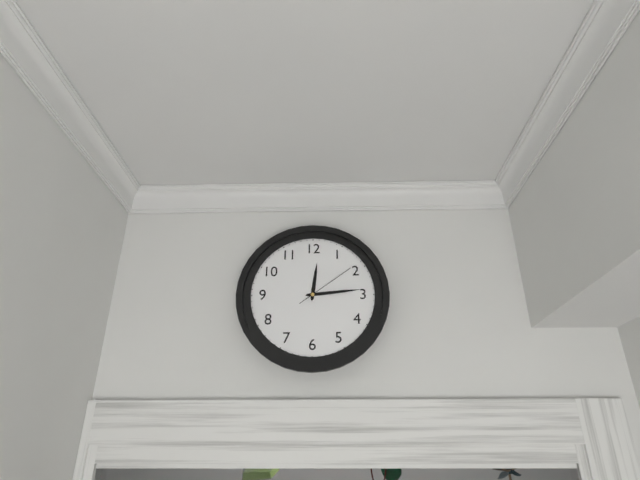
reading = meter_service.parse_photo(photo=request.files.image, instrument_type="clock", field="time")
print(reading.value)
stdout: 12:14:09
